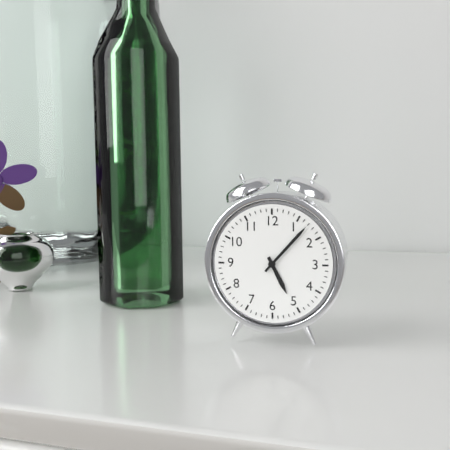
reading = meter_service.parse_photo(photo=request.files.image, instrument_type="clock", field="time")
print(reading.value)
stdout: 5:07
